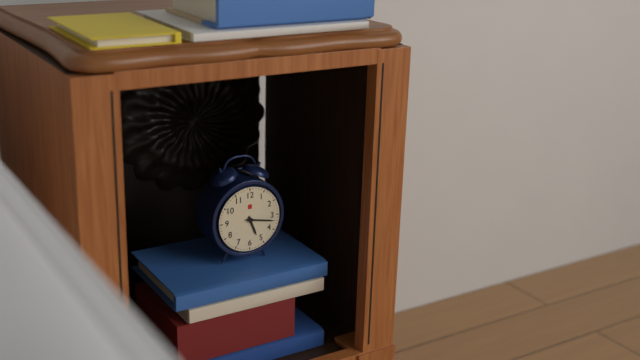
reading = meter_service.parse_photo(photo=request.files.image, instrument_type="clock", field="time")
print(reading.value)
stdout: 5:17
